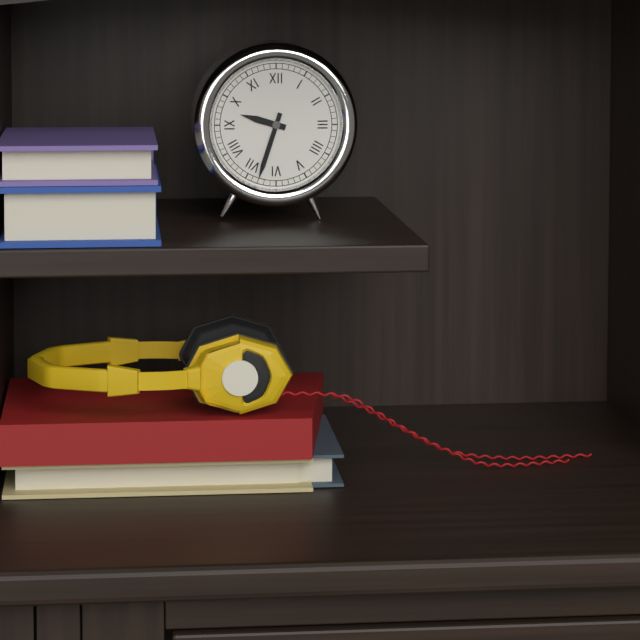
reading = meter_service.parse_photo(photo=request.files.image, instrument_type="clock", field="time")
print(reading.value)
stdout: 9:33
